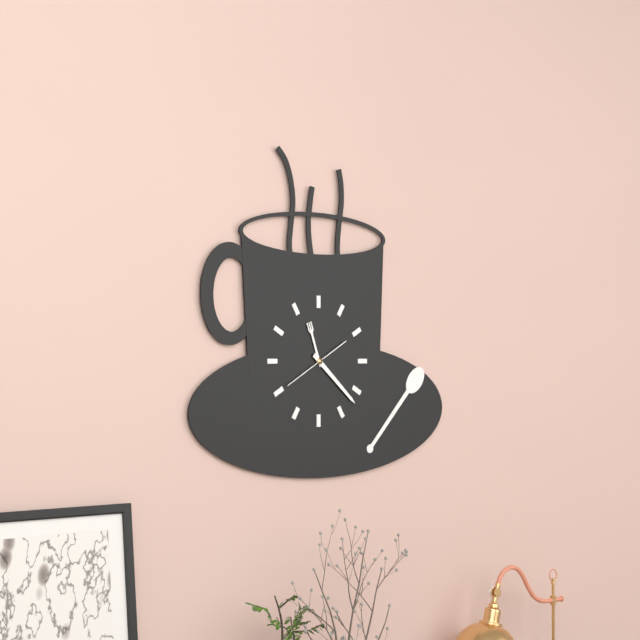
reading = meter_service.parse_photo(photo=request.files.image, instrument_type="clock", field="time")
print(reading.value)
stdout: 11:22
